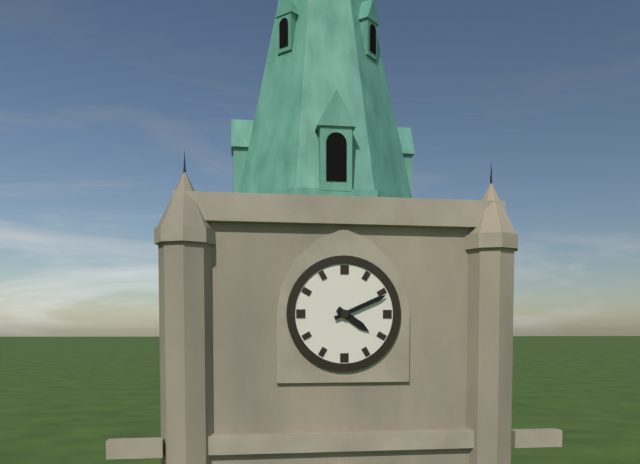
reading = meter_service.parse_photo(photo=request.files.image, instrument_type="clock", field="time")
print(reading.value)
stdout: 4:11
